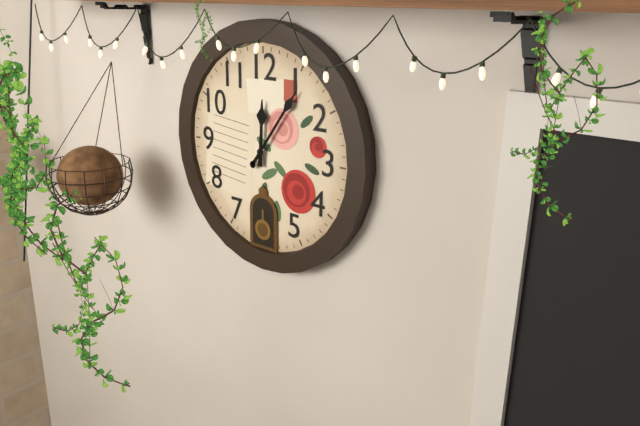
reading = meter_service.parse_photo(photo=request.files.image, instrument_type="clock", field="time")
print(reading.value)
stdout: 12:06
